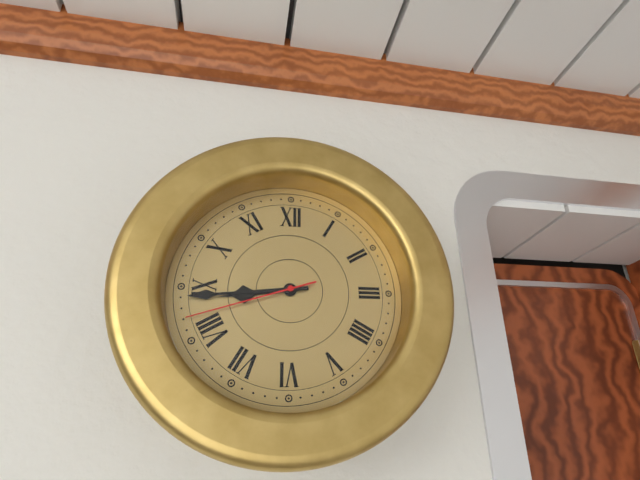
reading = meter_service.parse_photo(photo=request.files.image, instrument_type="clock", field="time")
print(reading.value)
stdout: 8:44:42
